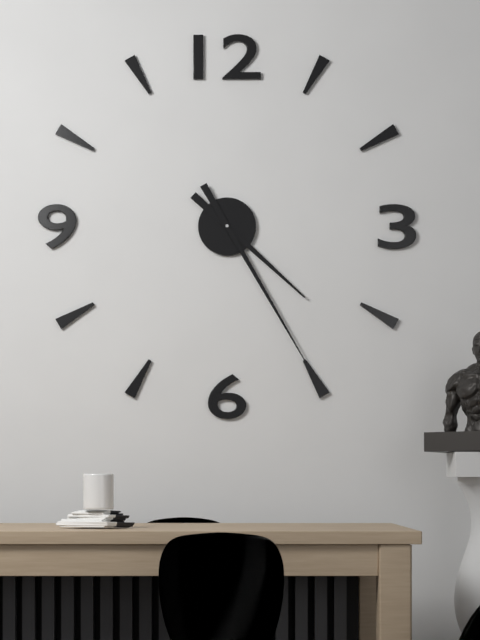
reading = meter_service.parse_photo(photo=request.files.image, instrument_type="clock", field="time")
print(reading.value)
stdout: 4:25
